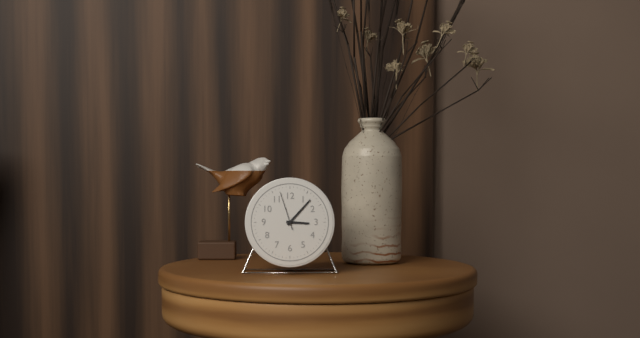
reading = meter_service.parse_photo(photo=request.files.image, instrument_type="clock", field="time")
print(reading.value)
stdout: 3:07
